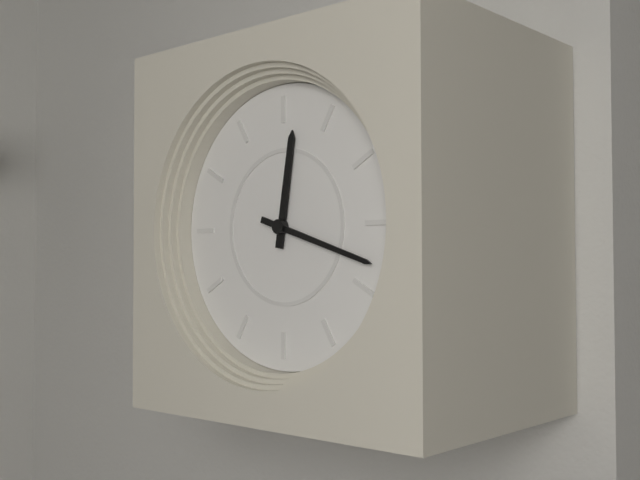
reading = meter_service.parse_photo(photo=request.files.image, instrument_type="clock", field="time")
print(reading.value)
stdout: 12:18
